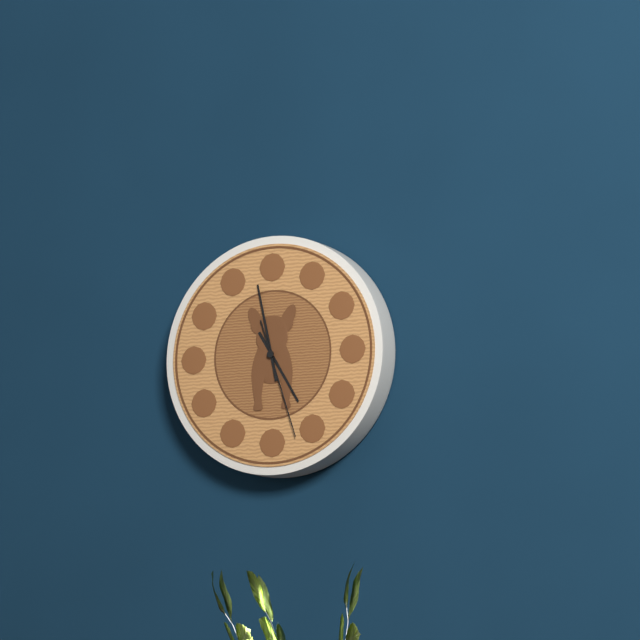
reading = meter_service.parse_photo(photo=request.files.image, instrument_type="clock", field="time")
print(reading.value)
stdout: 4:58:27
